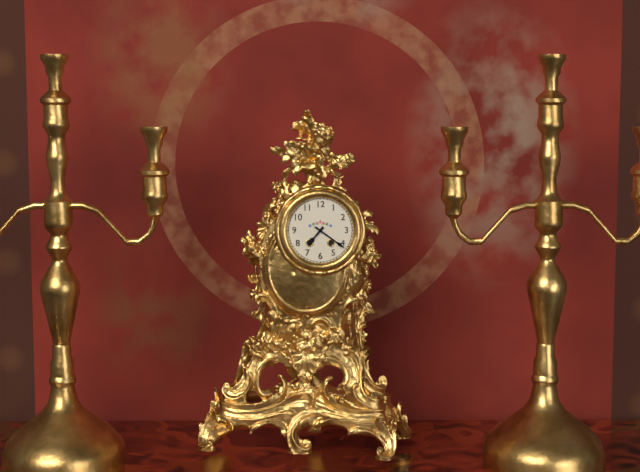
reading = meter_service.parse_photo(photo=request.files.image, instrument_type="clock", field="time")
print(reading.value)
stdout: 7:21
